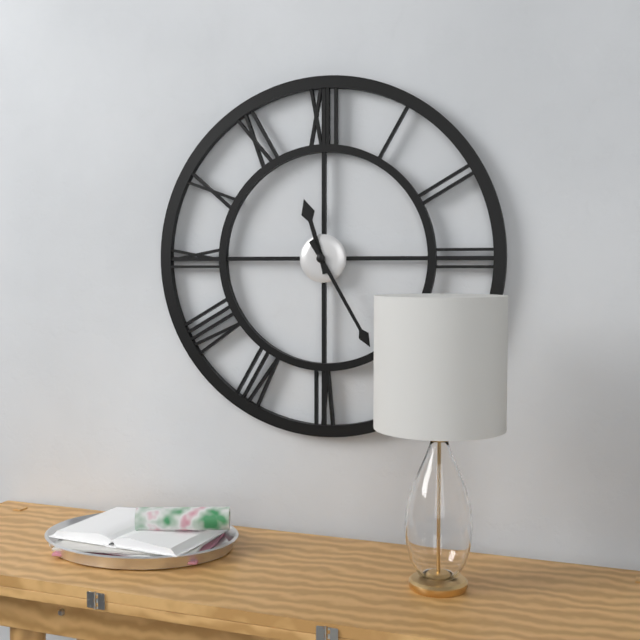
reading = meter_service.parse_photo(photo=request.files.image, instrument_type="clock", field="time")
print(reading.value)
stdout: 11:25
